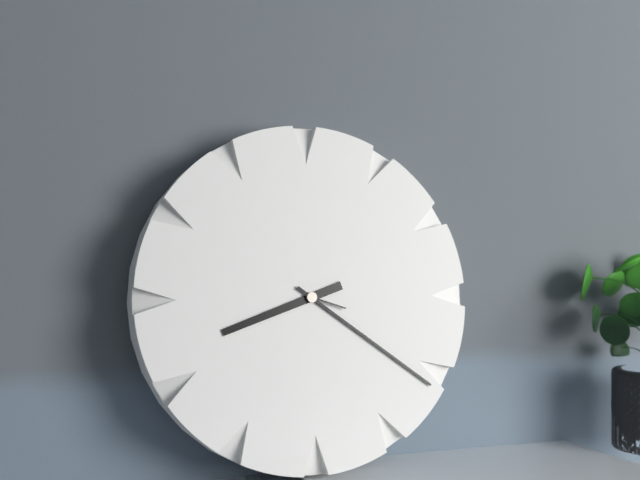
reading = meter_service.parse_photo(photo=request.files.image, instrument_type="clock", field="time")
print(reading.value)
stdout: 8:21
